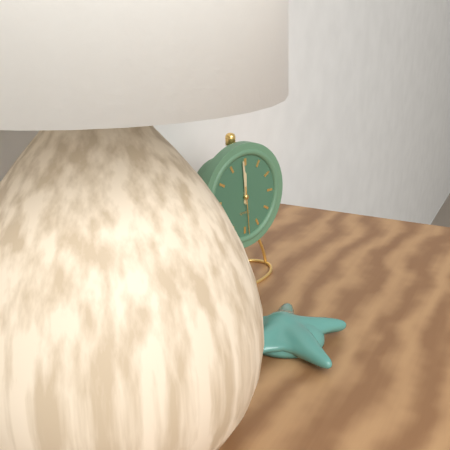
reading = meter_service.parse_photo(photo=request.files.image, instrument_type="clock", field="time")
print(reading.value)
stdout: 11:59
